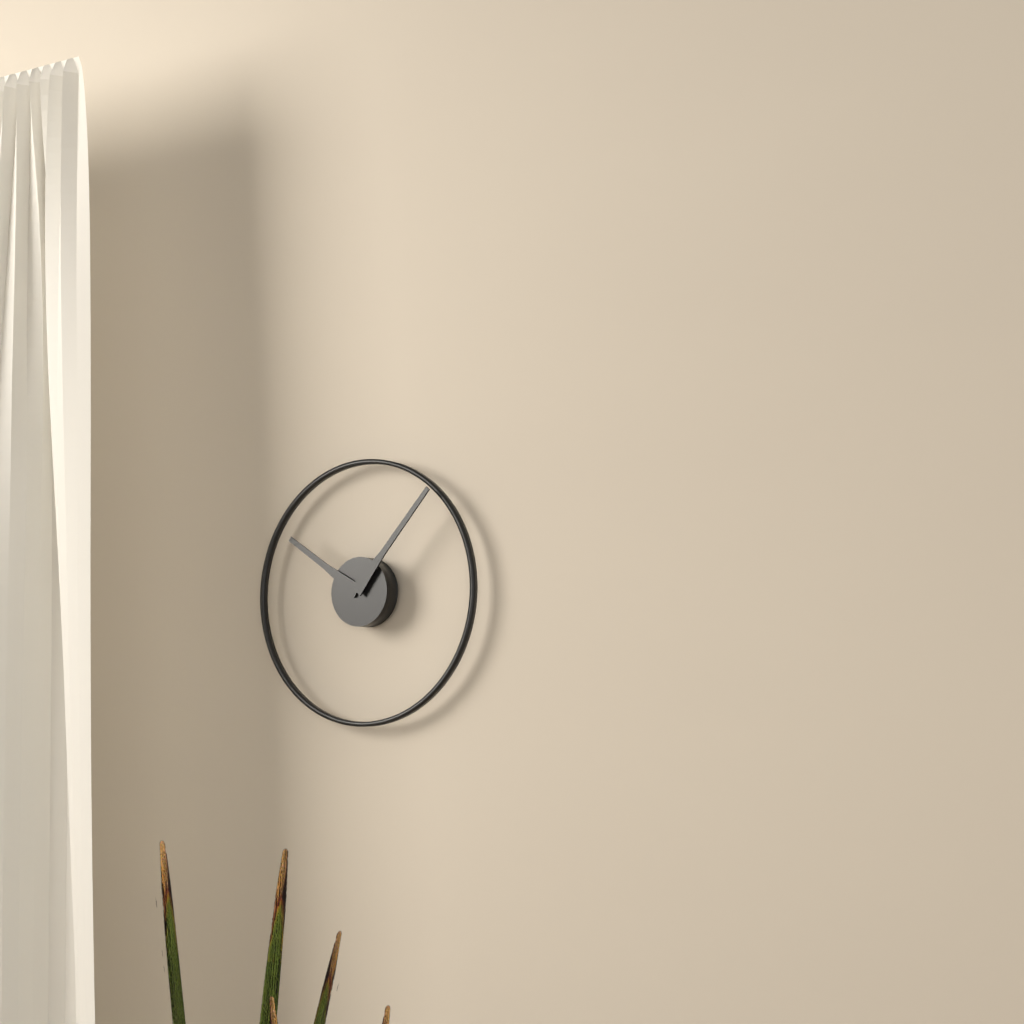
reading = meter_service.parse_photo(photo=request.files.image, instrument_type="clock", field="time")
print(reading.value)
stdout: 10:07
